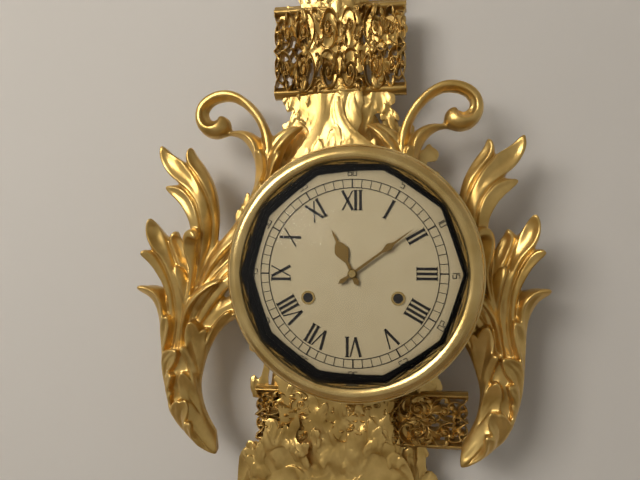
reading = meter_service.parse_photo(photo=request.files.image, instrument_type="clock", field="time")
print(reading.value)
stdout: 11:09
